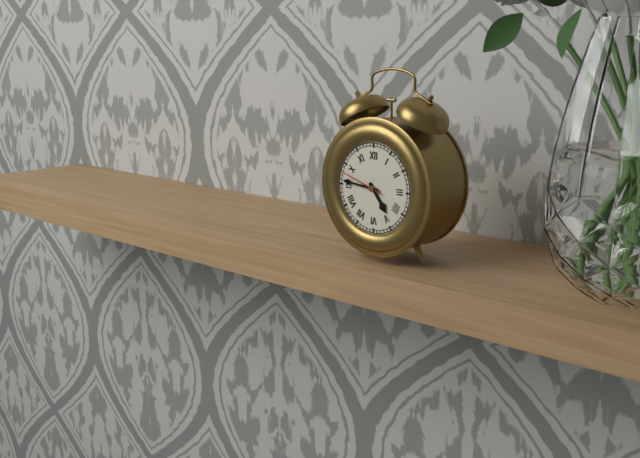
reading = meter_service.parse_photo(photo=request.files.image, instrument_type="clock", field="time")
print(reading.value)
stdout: 4:46
